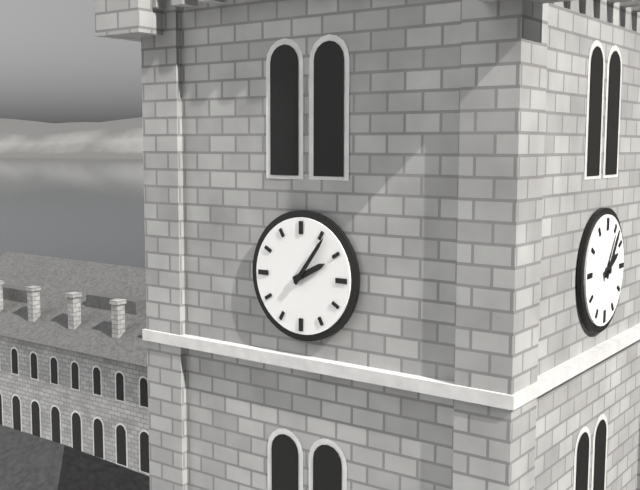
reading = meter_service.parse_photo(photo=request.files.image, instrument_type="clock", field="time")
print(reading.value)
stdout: 2:06
